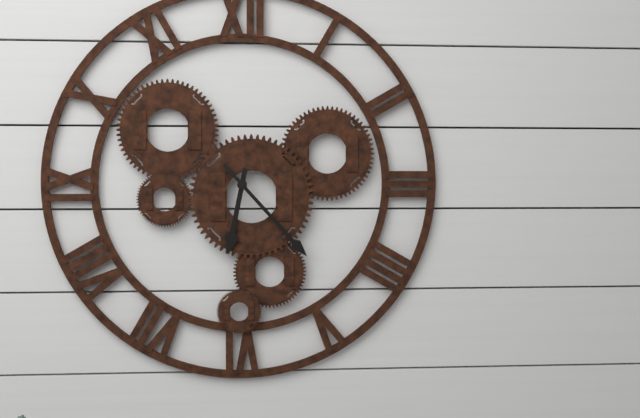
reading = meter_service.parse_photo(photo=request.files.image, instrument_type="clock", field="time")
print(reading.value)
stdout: 6:23
